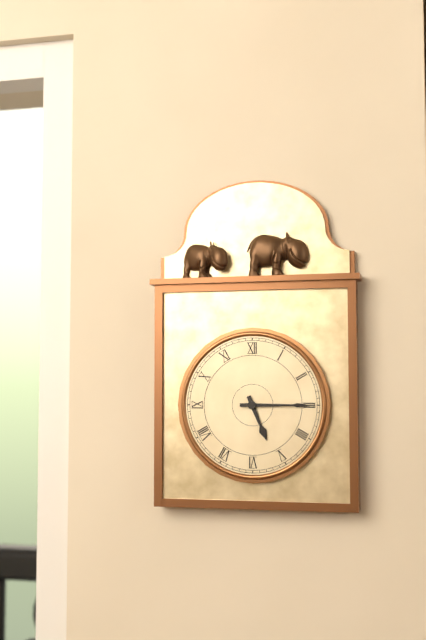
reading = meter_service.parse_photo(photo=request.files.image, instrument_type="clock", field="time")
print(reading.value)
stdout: 5:15
